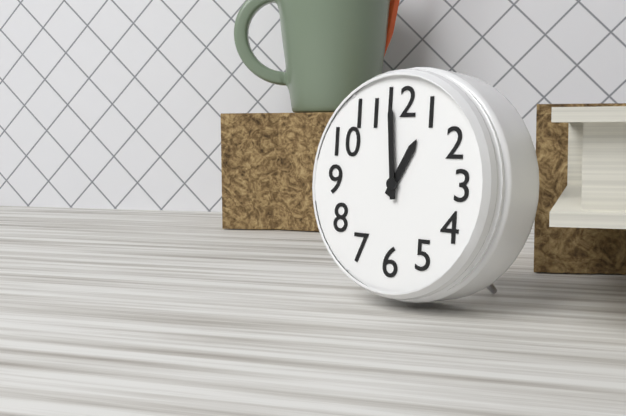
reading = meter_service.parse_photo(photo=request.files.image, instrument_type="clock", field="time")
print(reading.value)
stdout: 12:59
